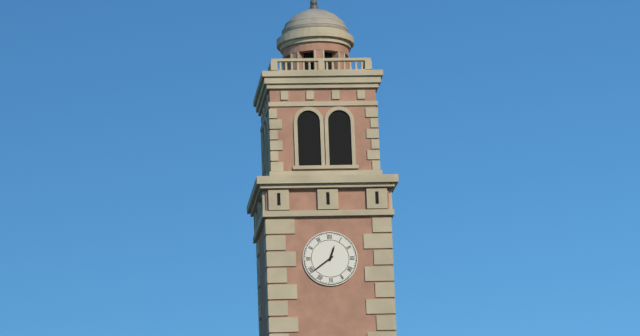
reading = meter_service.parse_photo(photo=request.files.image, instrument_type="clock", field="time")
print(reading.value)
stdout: 12:39
